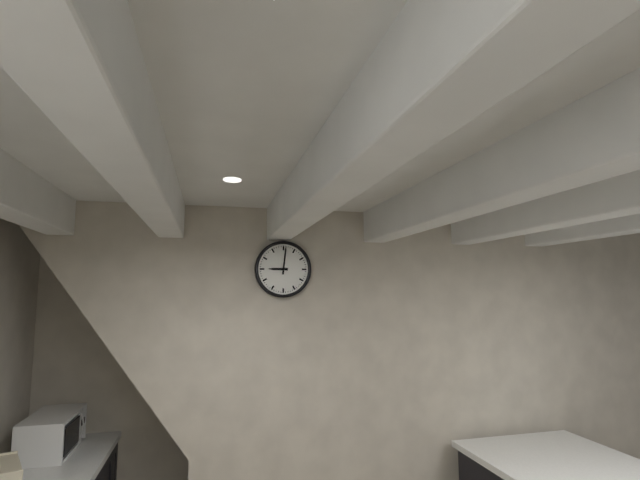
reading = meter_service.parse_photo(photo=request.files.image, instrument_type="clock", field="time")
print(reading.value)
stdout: 9:01
